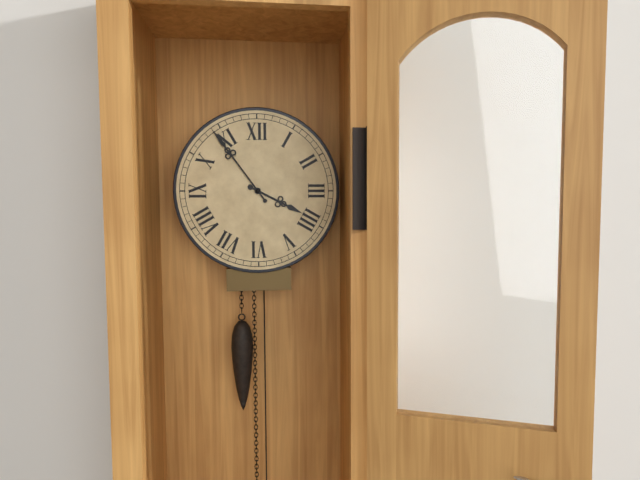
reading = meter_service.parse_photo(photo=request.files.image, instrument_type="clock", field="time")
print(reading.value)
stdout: 3:54
